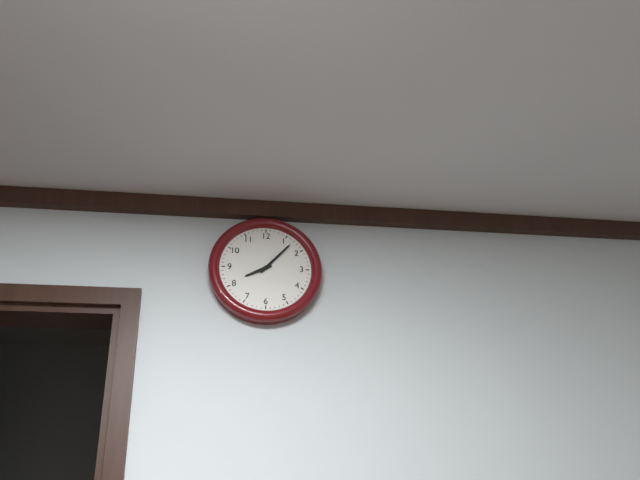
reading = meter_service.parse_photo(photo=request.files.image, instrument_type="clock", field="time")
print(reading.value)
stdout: 8:07
